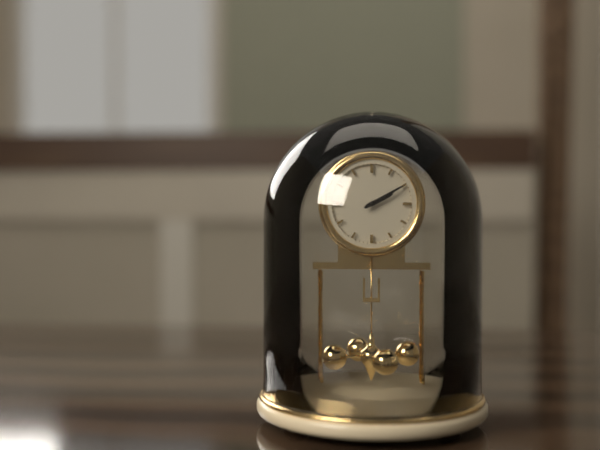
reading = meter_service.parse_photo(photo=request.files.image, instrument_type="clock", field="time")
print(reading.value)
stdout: 2:10
